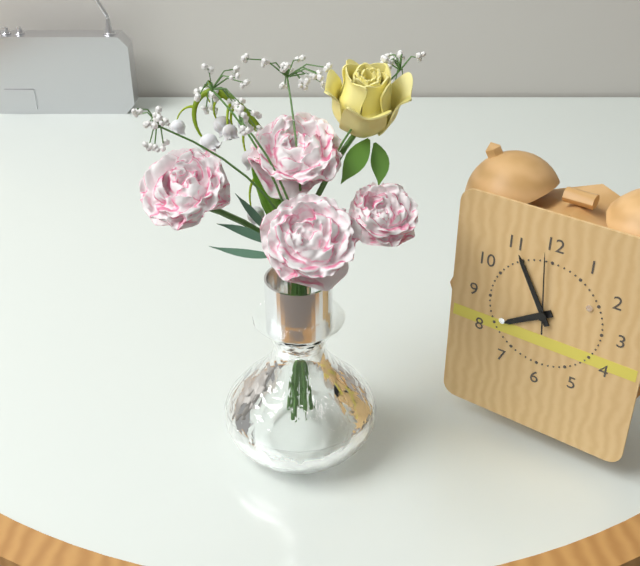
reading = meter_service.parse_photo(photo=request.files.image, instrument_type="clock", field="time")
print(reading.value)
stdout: 7:55:59
